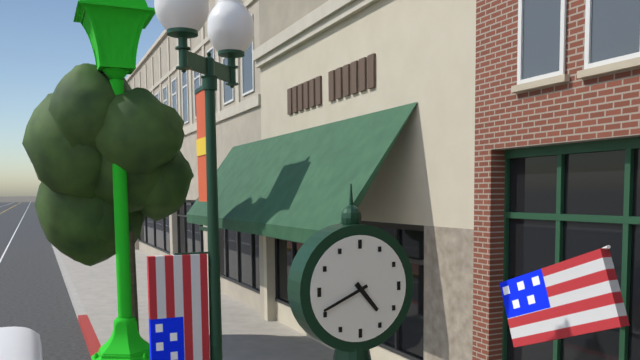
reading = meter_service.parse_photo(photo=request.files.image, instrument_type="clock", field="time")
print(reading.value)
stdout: 4:41
